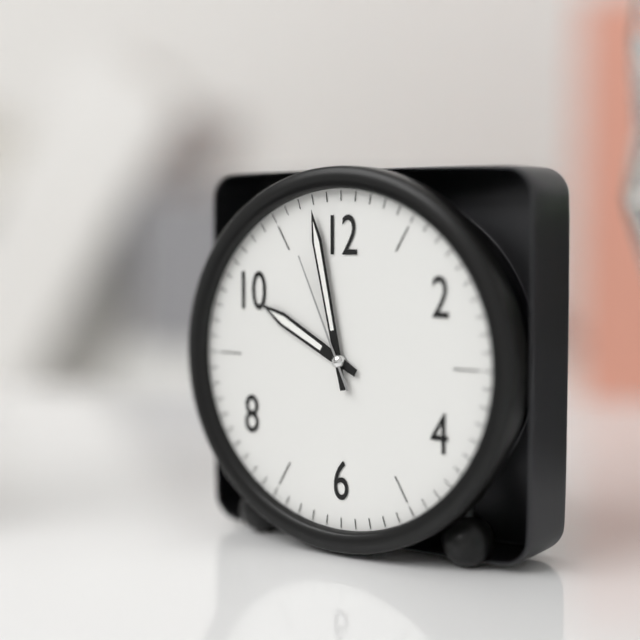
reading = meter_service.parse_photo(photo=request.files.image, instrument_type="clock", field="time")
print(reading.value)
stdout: 9:58:56
